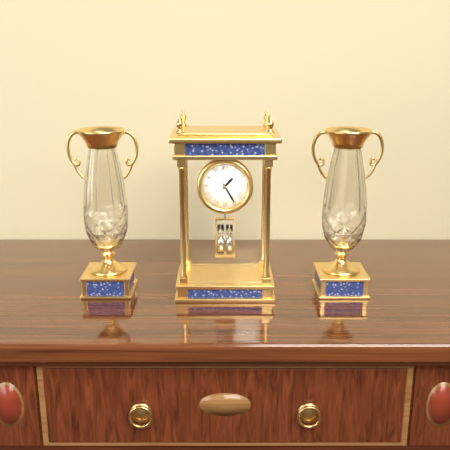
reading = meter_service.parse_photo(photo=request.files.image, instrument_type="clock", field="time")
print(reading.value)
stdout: 1:25
